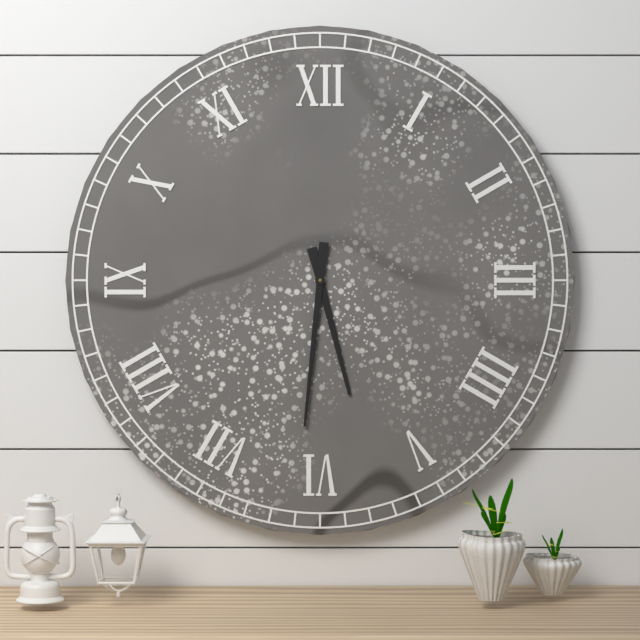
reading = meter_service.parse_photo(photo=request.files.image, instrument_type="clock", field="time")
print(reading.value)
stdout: 5:31
